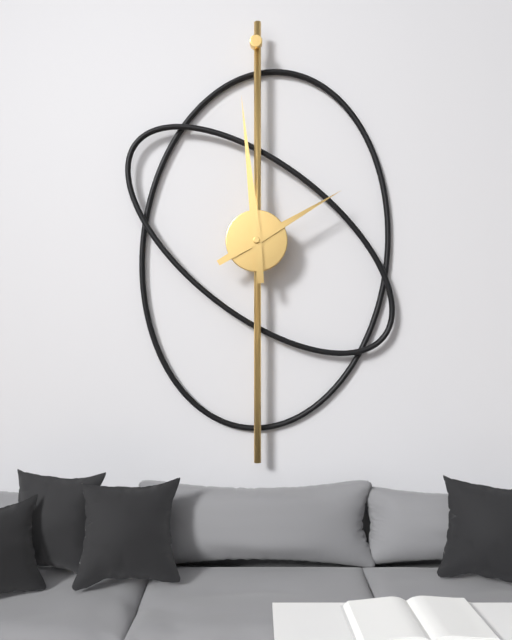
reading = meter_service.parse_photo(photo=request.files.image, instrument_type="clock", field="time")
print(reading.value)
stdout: 1:59
